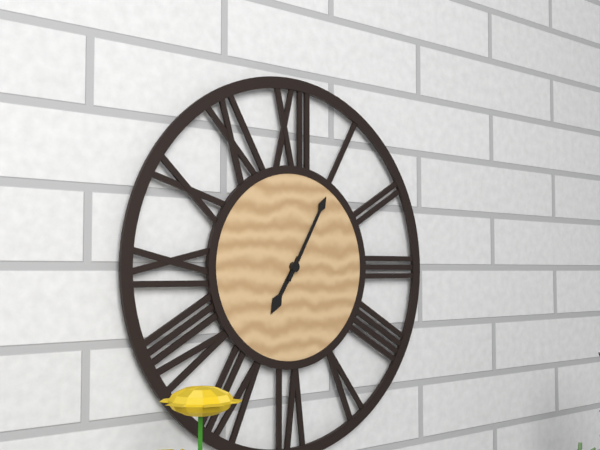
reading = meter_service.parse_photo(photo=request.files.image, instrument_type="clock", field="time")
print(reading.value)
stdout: 7:05
